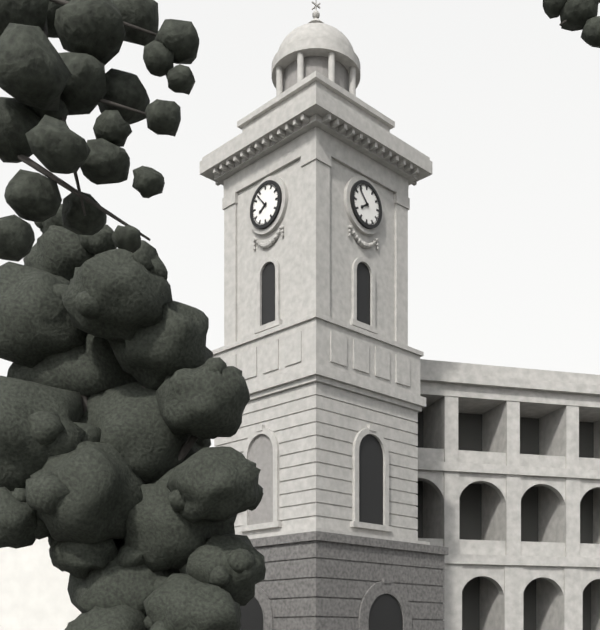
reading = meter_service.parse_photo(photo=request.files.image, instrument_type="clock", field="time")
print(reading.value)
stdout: 7:53
